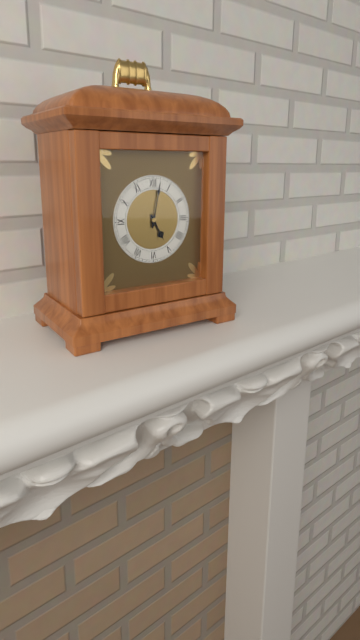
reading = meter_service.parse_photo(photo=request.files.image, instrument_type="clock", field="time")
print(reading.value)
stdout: 5:02
